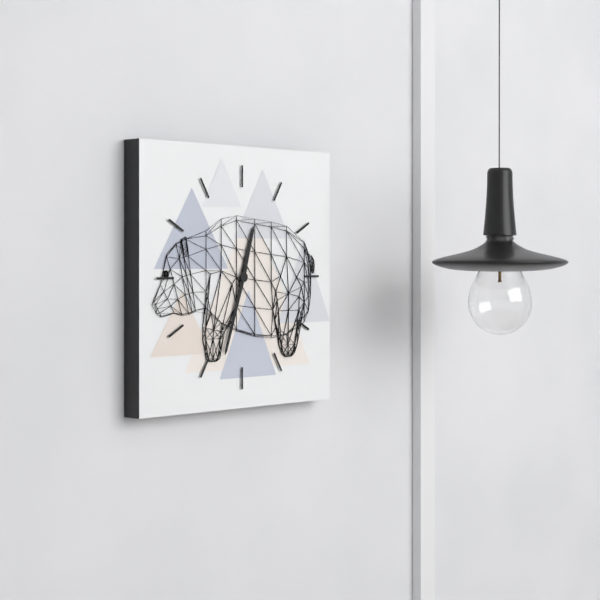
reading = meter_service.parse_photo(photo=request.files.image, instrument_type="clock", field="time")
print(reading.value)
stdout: 12:33
